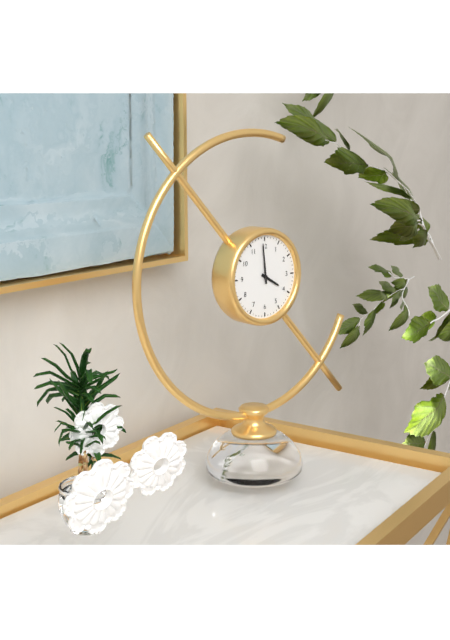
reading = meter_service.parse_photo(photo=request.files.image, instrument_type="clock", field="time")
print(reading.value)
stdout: 3:59
